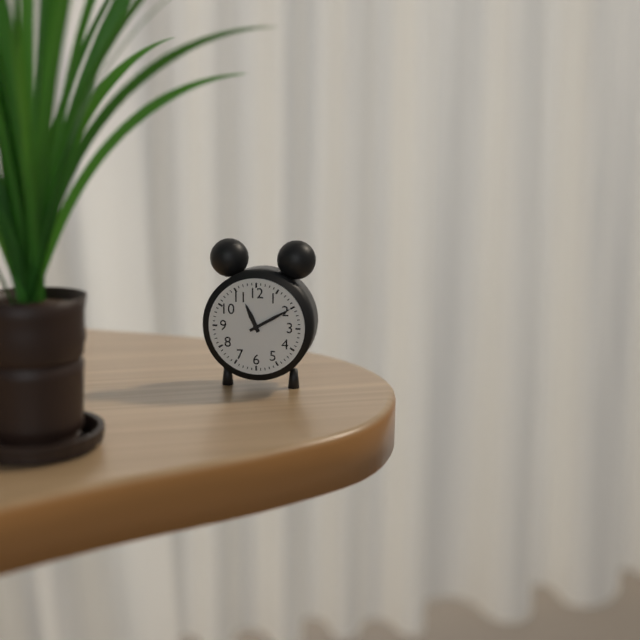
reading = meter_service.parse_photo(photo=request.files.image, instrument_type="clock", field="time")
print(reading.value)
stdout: 11:10
